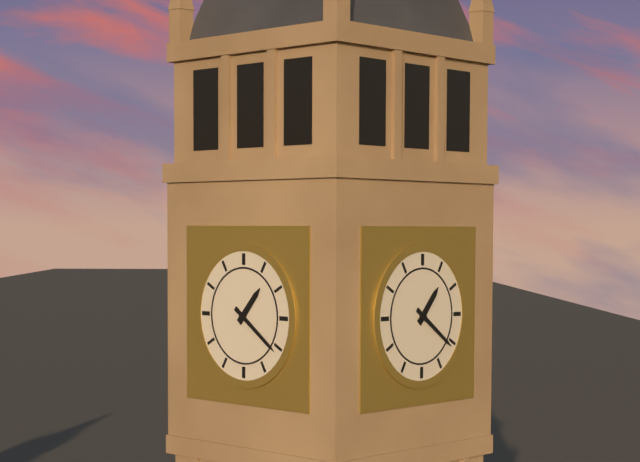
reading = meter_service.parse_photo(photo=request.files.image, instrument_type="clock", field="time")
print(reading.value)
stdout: 1:21
